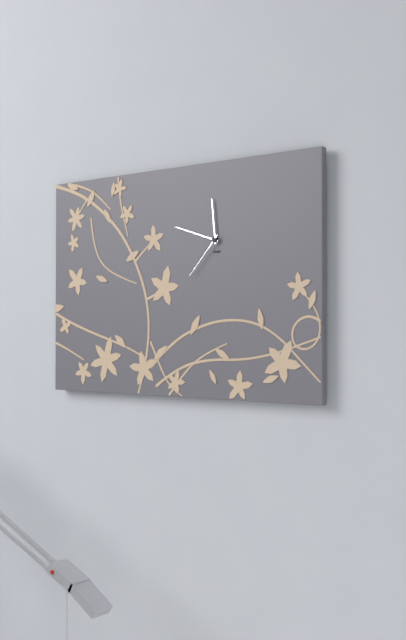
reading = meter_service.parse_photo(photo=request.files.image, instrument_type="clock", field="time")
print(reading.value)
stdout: 11:48:37
